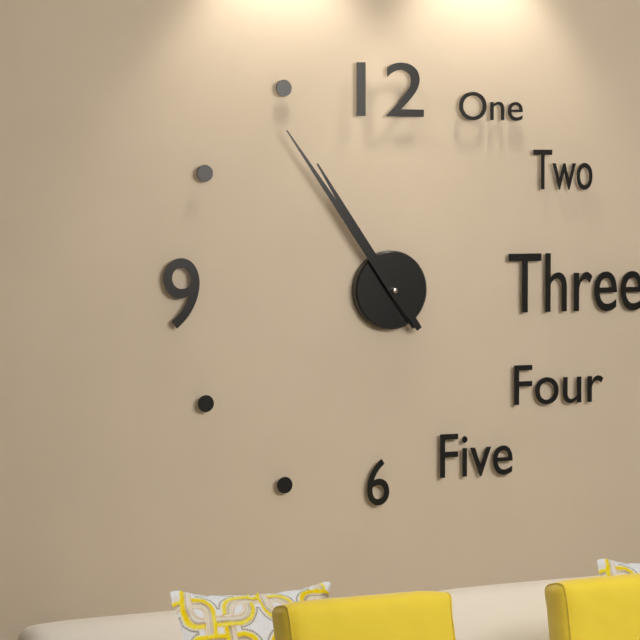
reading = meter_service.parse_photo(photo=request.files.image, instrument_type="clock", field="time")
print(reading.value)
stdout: 10:54
